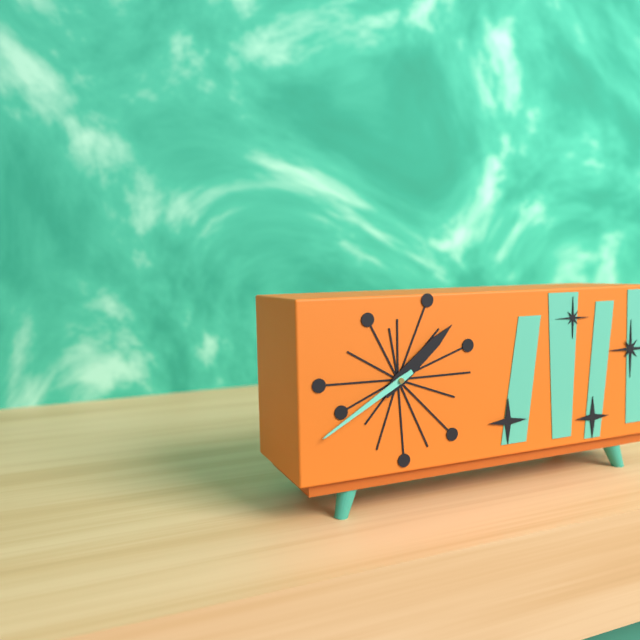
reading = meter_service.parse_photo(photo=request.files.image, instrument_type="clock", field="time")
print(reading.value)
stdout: 1:40
